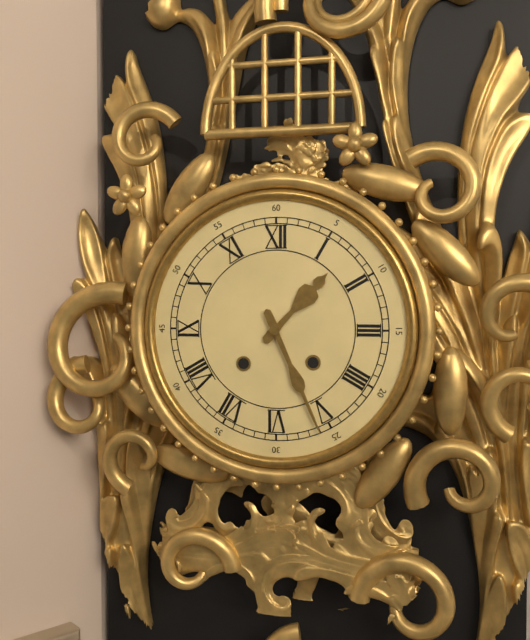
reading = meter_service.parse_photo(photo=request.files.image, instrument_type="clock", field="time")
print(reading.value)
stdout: 1:26
